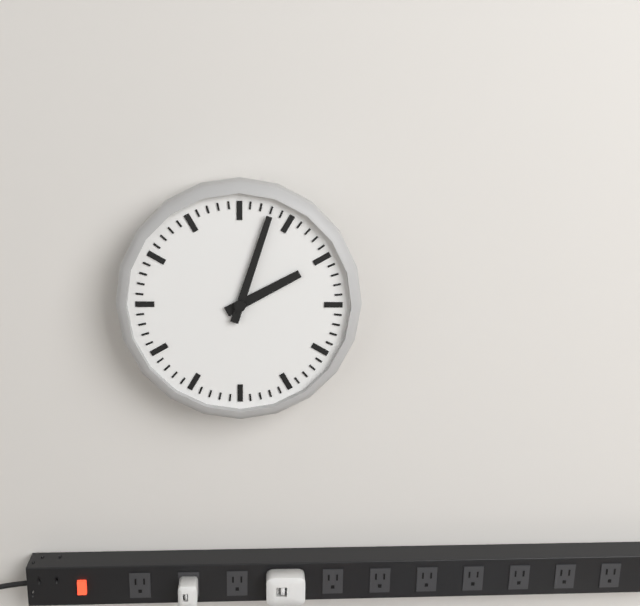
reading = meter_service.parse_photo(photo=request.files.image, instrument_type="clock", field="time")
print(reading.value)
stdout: 2:03
